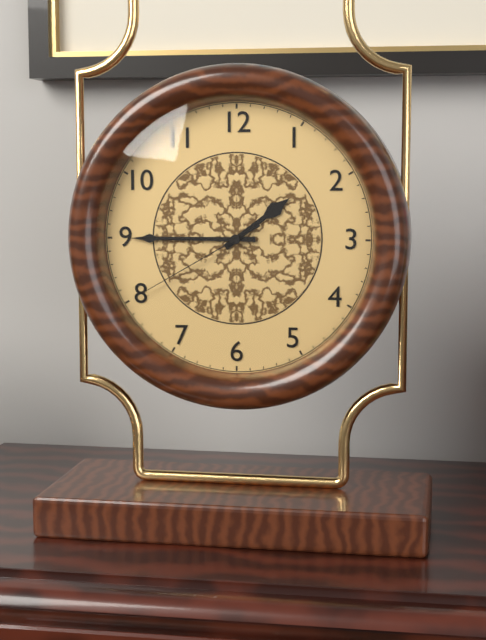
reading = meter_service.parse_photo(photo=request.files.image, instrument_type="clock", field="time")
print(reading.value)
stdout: 1:45:40
